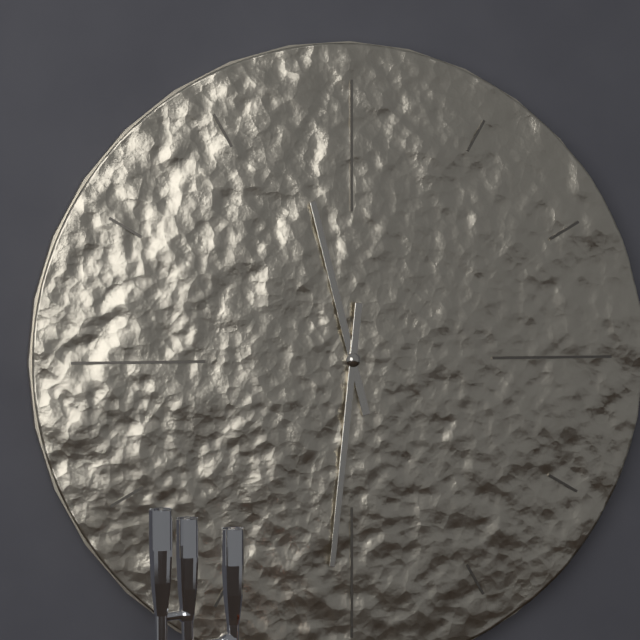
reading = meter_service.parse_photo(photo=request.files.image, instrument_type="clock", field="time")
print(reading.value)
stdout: 11:31
